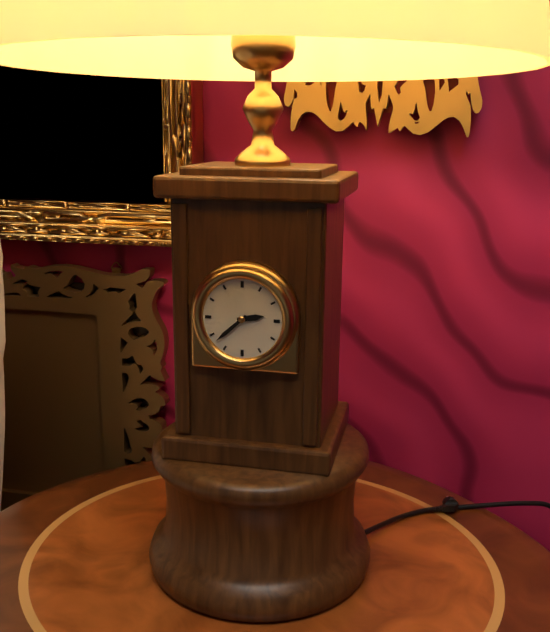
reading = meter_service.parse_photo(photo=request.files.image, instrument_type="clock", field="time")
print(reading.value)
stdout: 2:38
